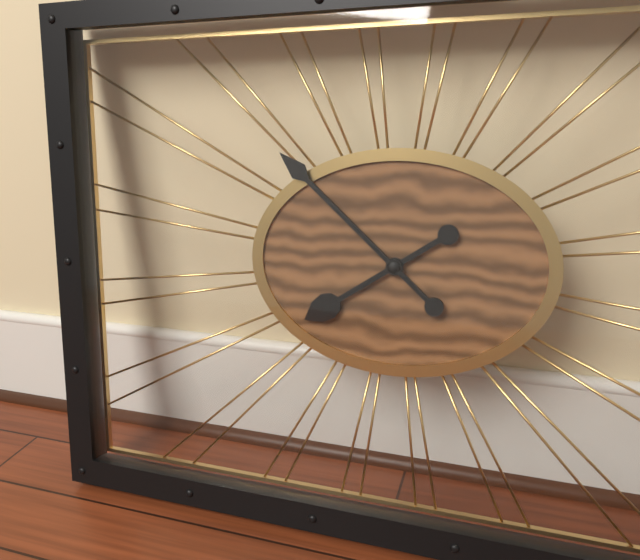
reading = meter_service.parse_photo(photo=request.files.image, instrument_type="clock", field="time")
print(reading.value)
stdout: 7:52
